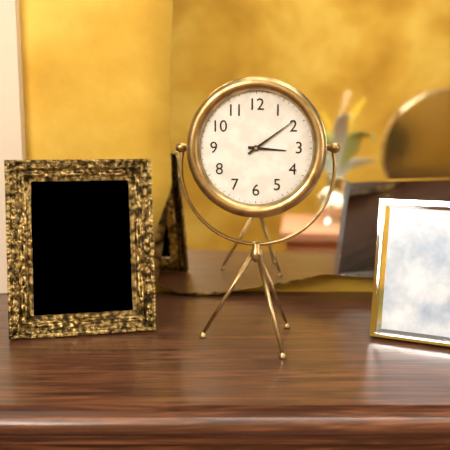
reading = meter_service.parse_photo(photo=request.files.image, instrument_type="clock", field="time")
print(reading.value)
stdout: 3:09
